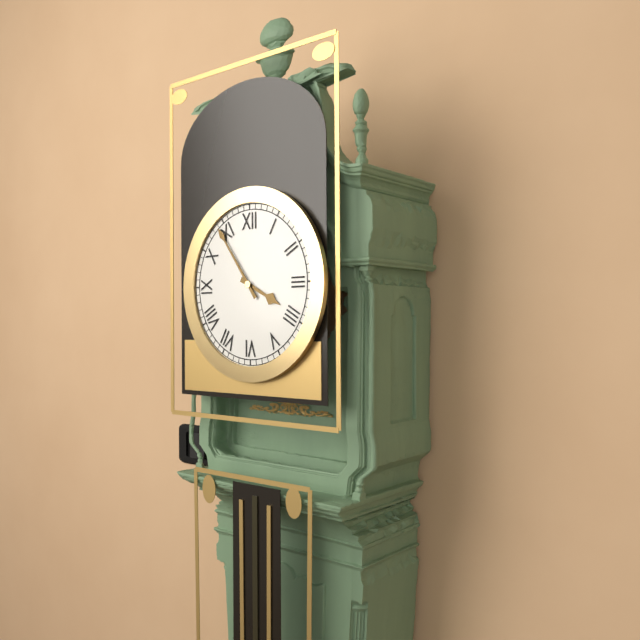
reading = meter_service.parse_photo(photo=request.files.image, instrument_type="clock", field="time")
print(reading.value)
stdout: 3:54
